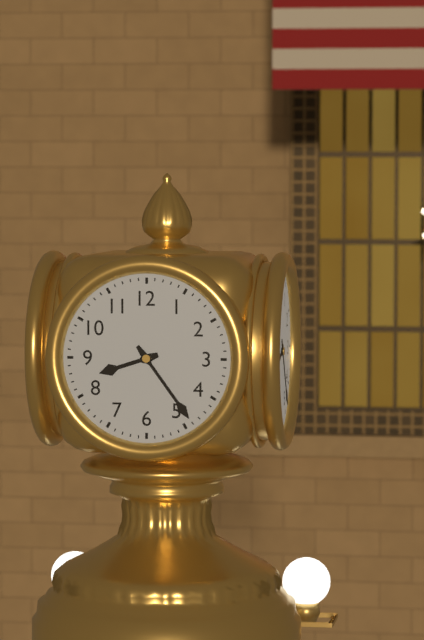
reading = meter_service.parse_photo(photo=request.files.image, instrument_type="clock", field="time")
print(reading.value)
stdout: 8:24
